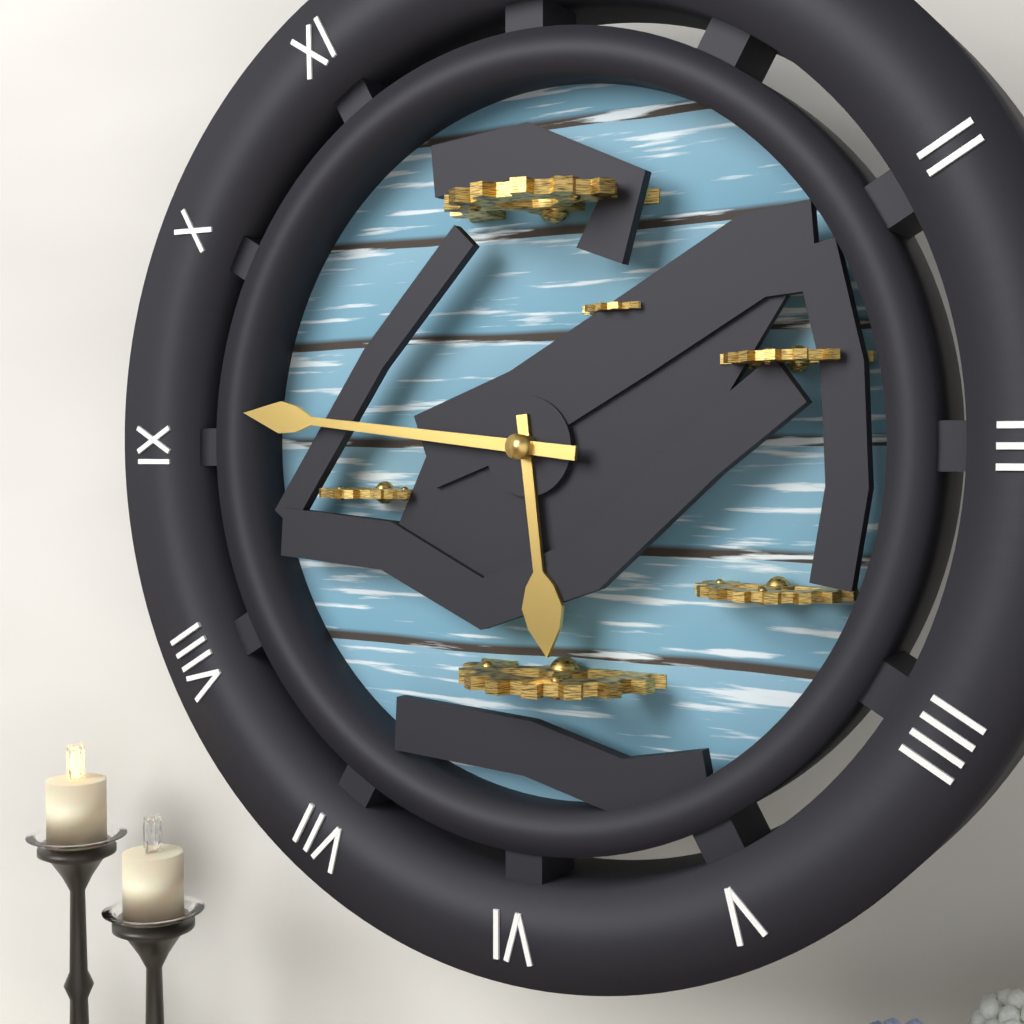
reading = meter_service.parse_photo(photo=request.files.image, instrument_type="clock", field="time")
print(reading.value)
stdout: 5:46
